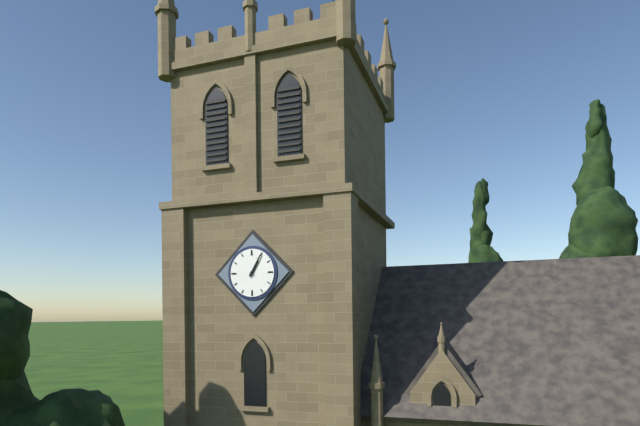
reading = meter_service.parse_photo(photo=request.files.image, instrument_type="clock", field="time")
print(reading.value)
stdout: 1:05
